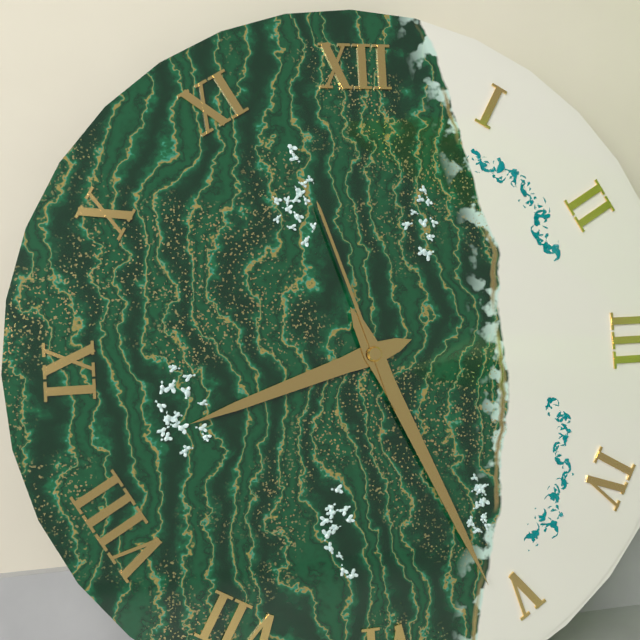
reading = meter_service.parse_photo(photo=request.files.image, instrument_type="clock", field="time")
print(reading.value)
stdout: 8:26:57
